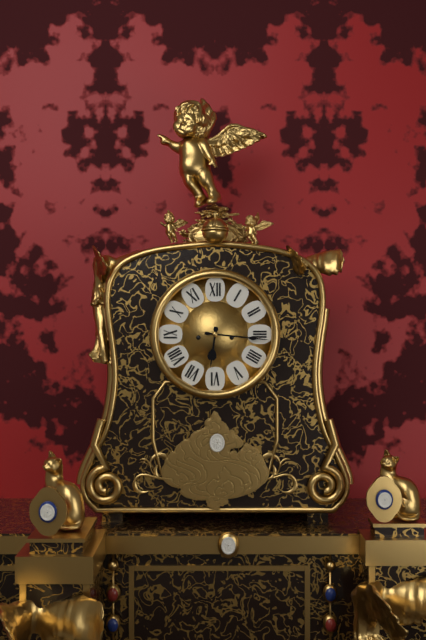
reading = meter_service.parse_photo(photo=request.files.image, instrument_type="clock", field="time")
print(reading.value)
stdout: 6:16
